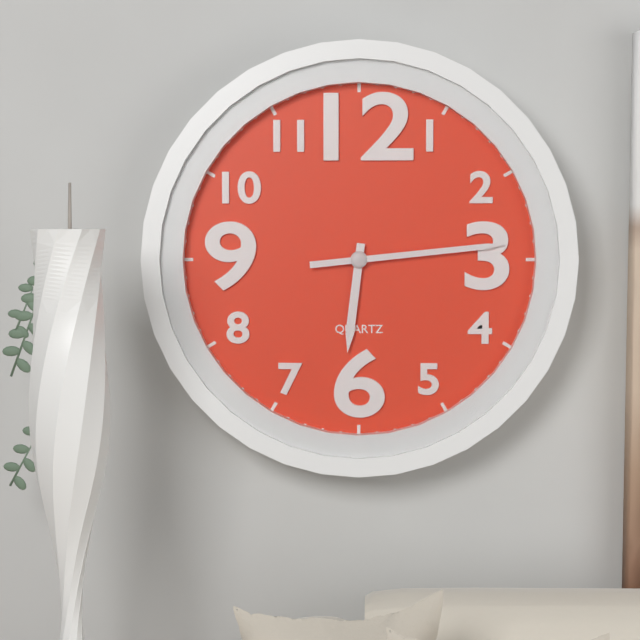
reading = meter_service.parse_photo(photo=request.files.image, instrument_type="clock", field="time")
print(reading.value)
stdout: 6:14
